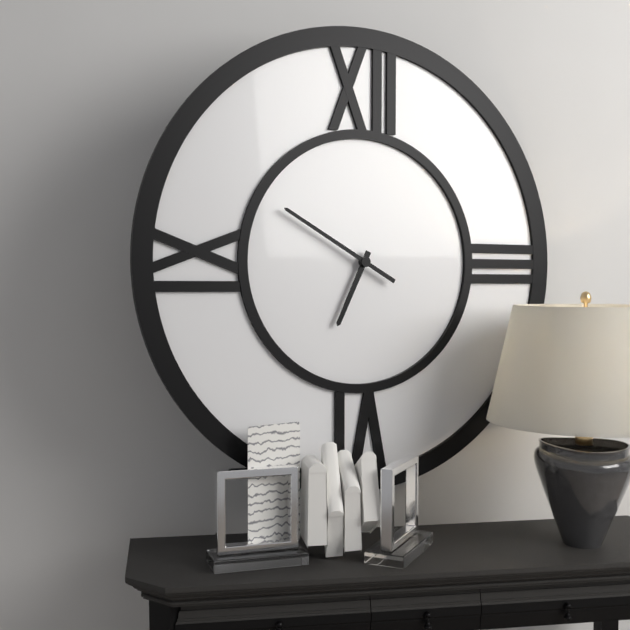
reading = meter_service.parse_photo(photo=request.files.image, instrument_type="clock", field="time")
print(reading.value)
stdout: 6:50
